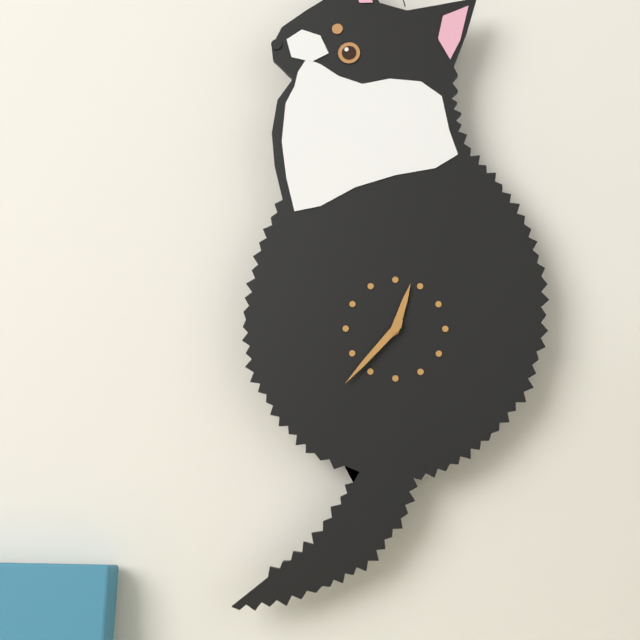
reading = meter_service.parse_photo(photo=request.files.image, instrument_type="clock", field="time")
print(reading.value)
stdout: 12:37
